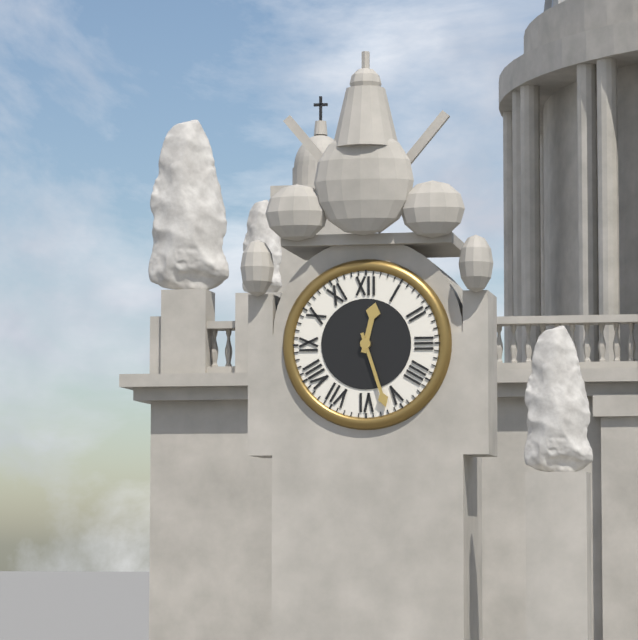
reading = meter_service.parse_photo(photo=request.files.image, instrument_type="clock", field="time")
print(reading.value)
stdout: 12:27
